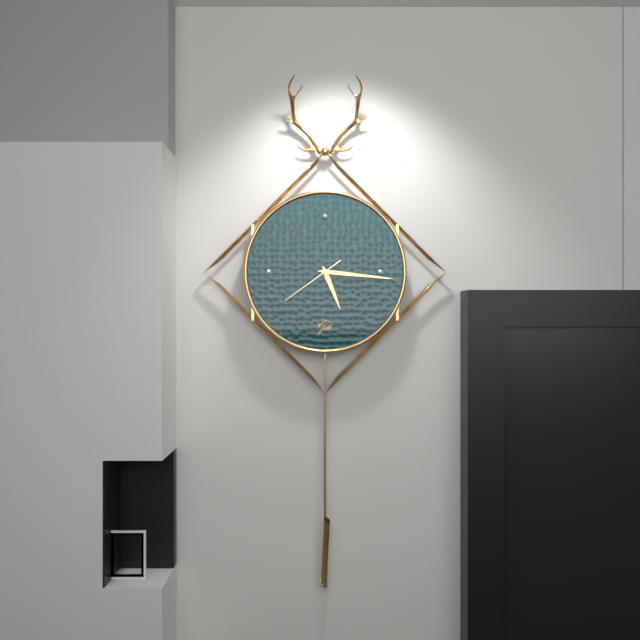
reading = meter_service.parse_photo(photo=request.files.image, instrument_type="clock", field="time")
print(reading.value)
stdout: 5:16:39
